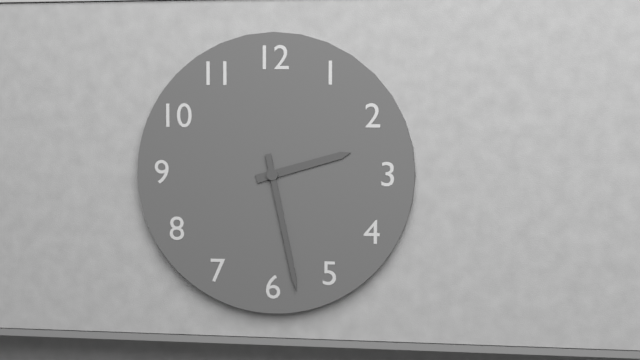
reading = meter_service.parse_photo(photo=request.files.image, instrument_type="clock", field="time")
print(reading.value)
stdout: 2:28
